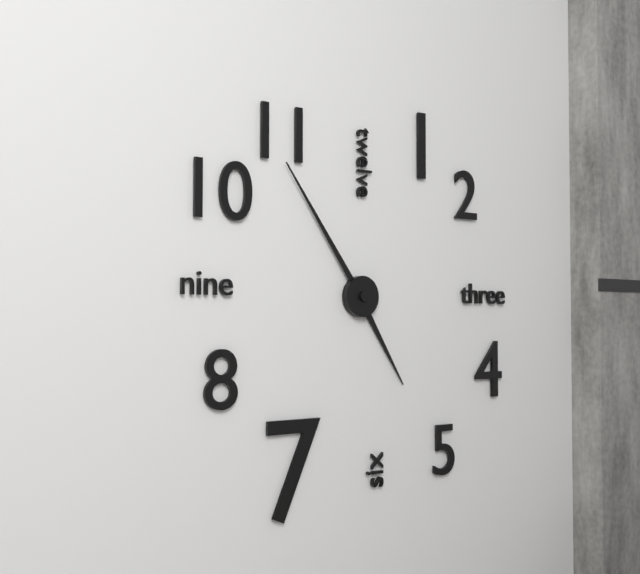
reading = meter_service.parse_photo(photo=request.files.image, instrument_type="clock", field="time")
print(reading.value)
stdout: 4:54
